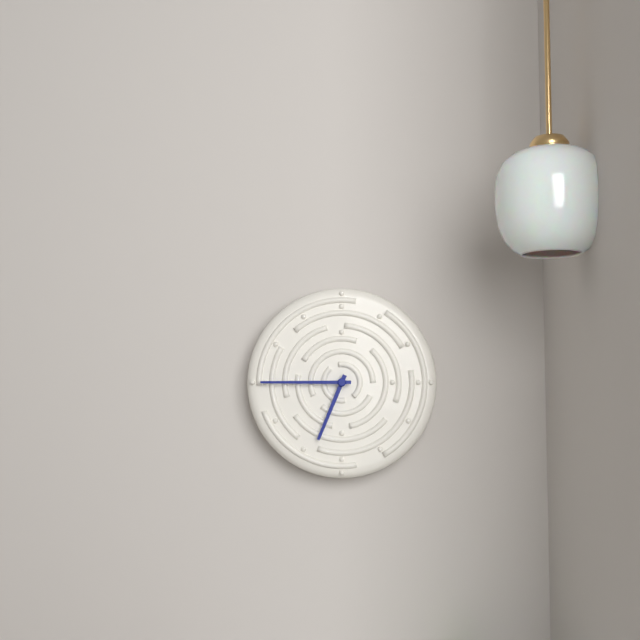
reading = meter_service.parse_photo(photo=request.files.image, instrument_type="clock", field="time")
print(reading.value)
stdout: 6:45
